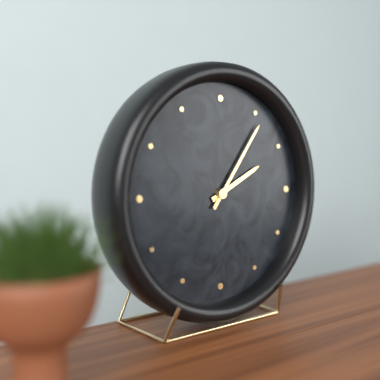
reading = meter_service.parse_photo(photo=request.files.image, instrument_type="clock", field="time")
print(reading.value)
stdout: 2:06
